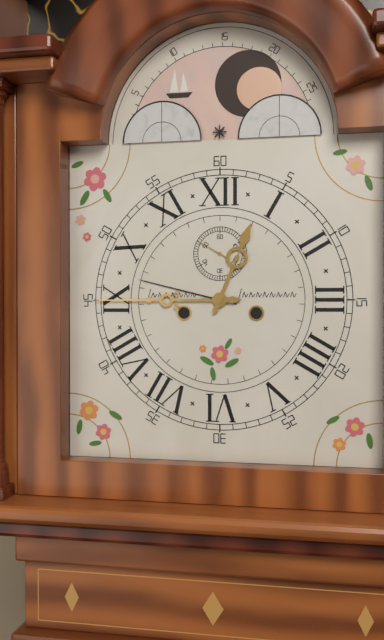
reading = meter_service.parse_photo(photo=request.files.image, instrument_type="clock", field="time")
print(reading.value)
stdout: 12:45
